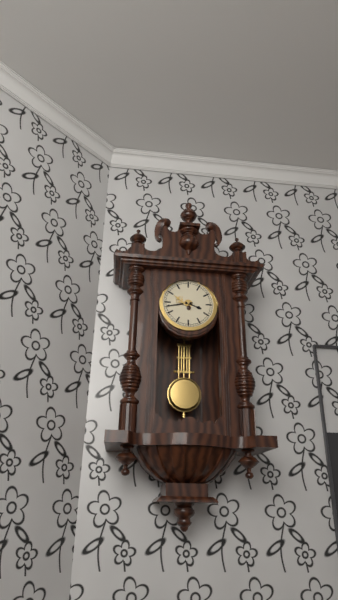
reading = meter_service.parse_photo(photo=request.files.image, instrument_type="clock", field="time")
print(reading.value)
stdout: 3:43
